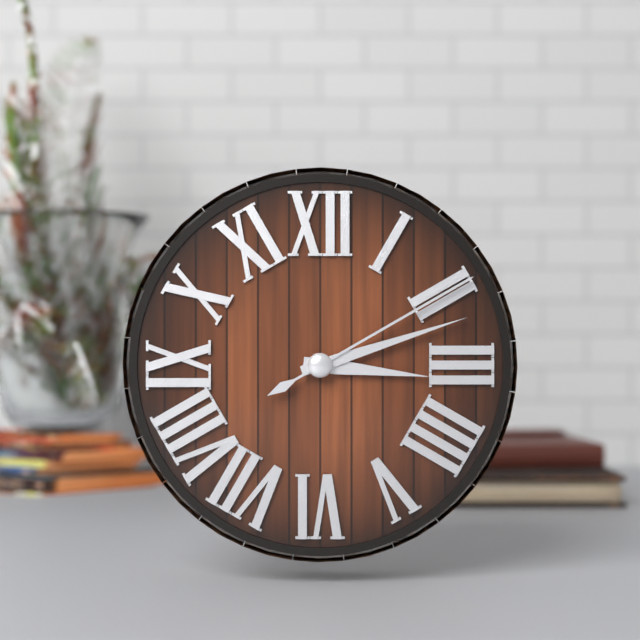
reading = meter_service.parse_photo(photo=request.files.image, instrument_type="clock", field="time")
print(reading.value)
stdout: 3:12:10
